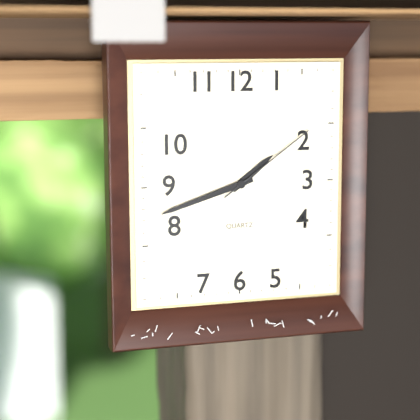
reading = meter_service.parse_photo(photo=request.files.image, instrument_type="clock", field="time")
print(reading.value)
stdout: 1:42:09
